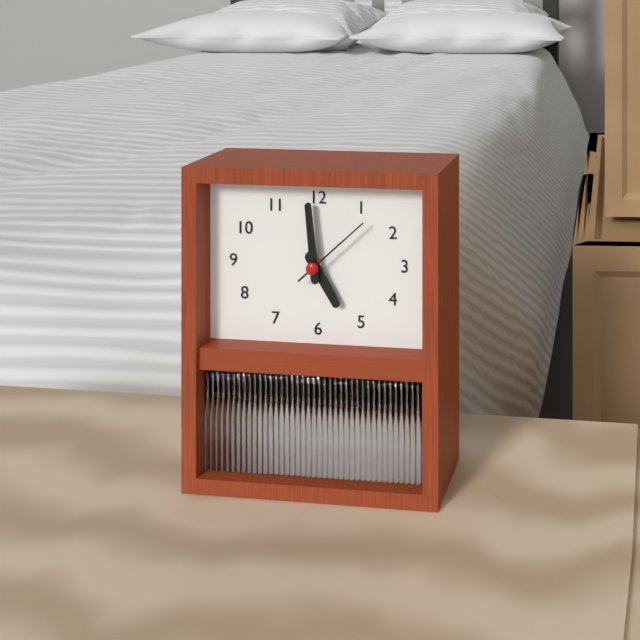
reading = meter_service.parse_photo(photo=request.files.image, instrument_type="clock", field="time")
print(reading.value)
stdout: 4:59:08
